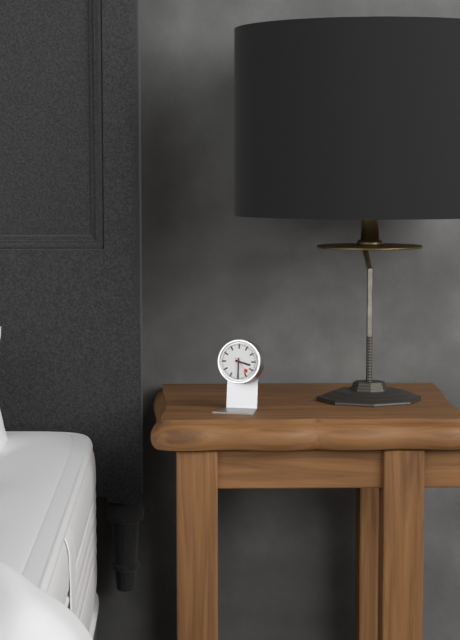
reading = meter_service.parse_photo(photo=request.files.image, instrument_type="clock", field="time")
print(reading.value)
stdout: 3:30
